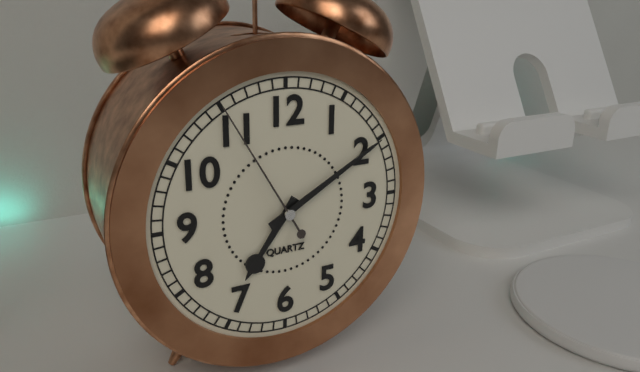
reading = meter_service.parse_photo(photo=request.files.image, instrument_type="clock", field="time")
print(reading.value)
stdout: 7:10:55
